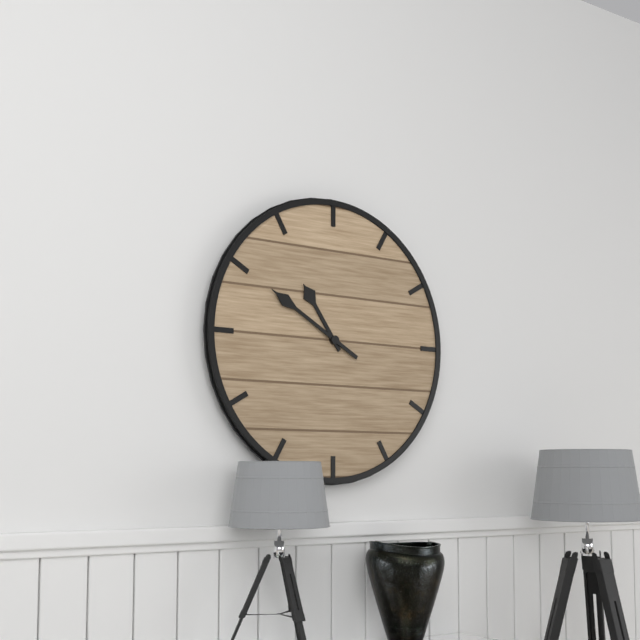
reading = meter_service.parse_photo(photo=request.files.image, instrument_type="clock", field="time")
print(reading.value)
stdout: 10:50
